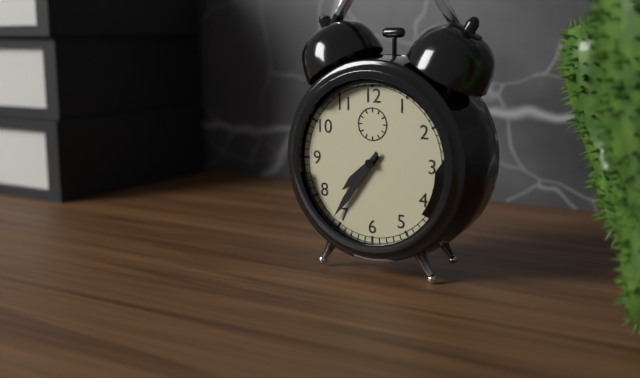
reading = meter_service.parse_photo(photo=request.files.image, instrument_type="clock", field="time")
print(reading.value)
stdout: 7:36
